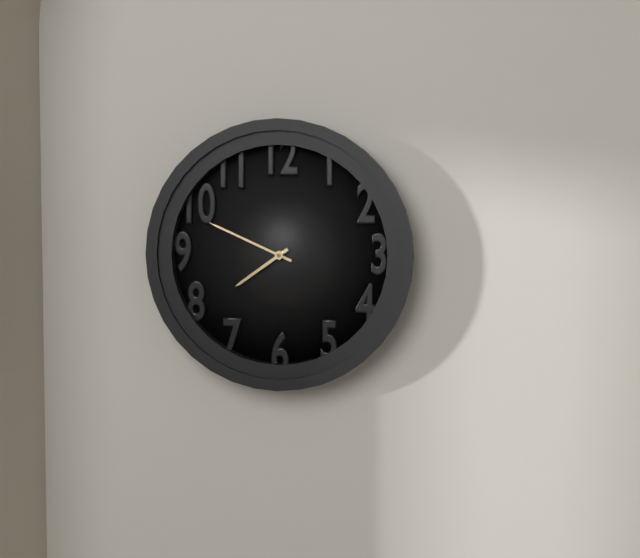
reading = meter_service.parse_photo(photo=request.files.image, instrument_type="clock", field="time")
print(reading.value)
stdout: 7:49
